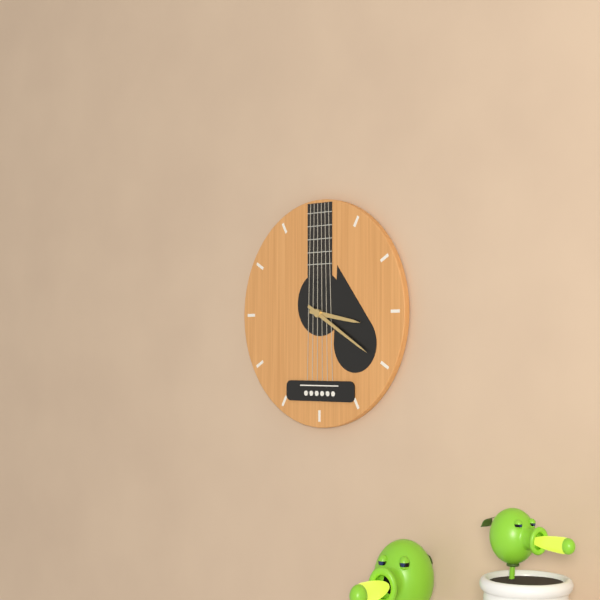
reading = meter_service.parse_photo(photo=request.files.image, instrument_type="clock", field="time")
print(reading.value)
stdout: 3:20
